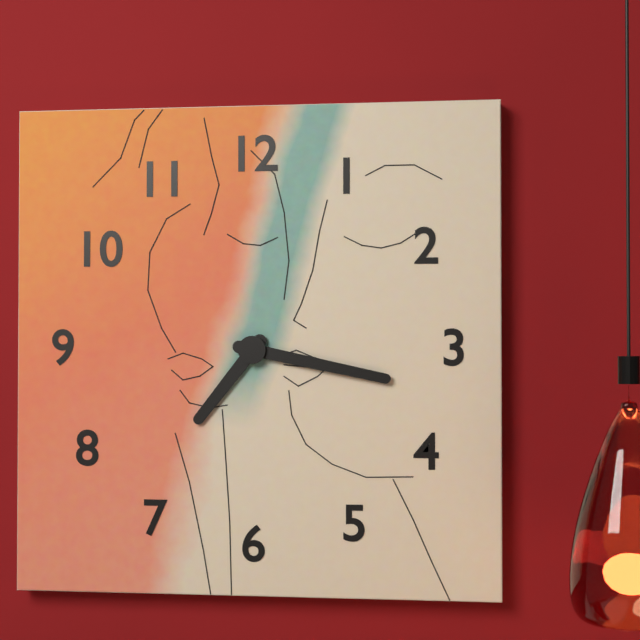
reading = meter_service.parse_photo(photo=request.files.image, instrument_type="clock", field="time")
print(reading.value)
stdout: 7:17
